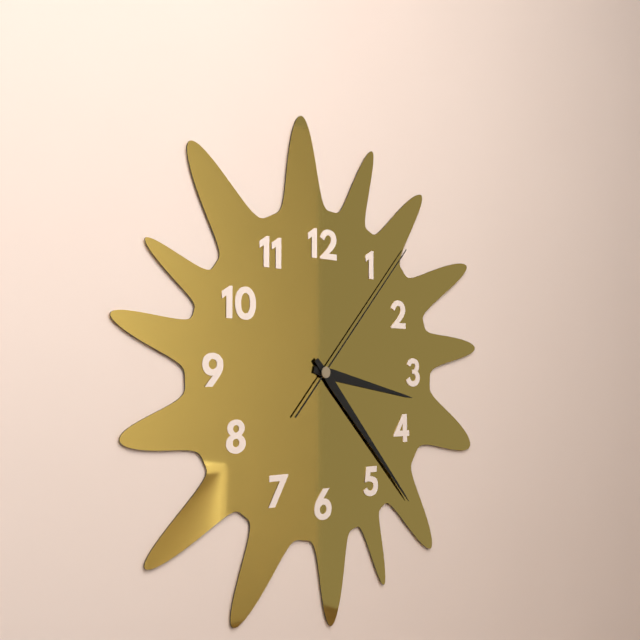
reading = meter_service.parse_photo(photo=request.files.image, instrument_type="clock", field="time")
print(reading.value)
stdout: 3:23:07
